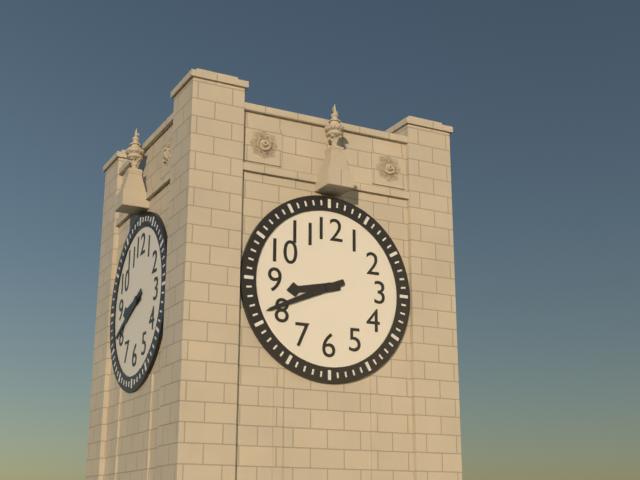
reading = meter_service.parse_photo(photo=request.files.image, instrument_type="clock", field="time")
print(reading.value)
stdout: 8:41
